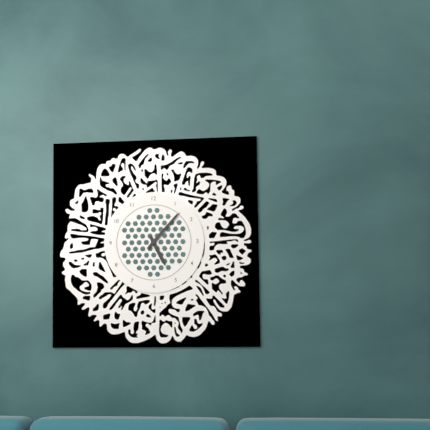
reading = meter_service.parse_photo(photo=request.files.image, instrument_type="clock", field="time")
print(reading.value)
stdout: 5:07
